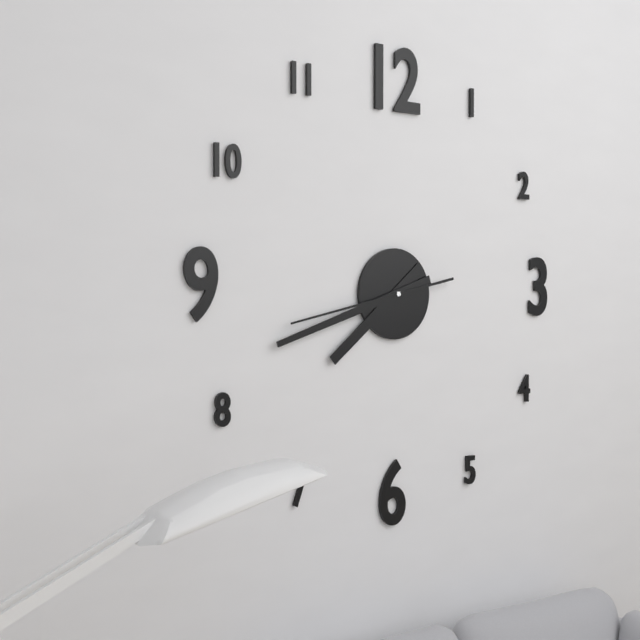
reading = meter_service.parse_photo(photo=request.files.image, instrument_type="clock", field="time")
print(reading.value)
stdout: 7:42:43
